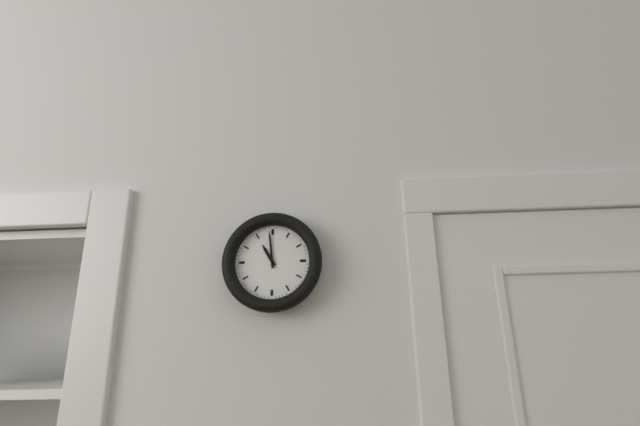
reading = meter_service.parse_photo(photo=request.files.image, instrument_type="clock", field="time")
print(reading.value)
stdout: 10:59
